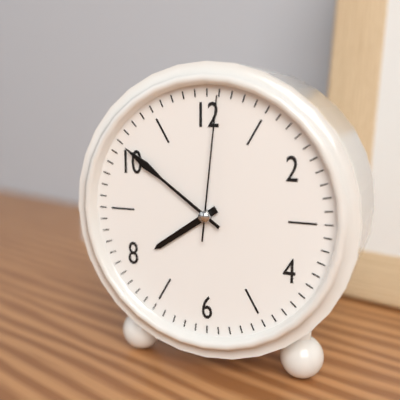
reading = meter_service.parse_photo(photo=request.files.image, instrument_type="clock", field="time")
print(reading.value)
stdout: 7:51:01
